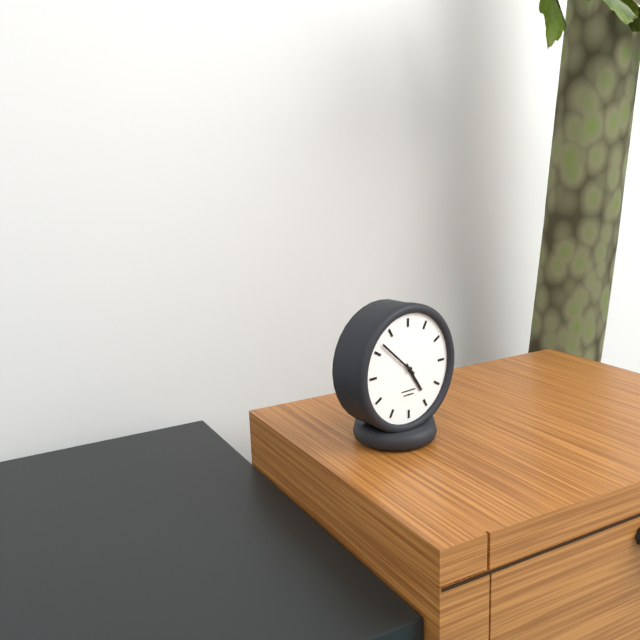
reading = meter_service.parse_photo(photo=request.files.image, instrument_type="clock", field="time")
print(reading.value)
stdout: 4:52
